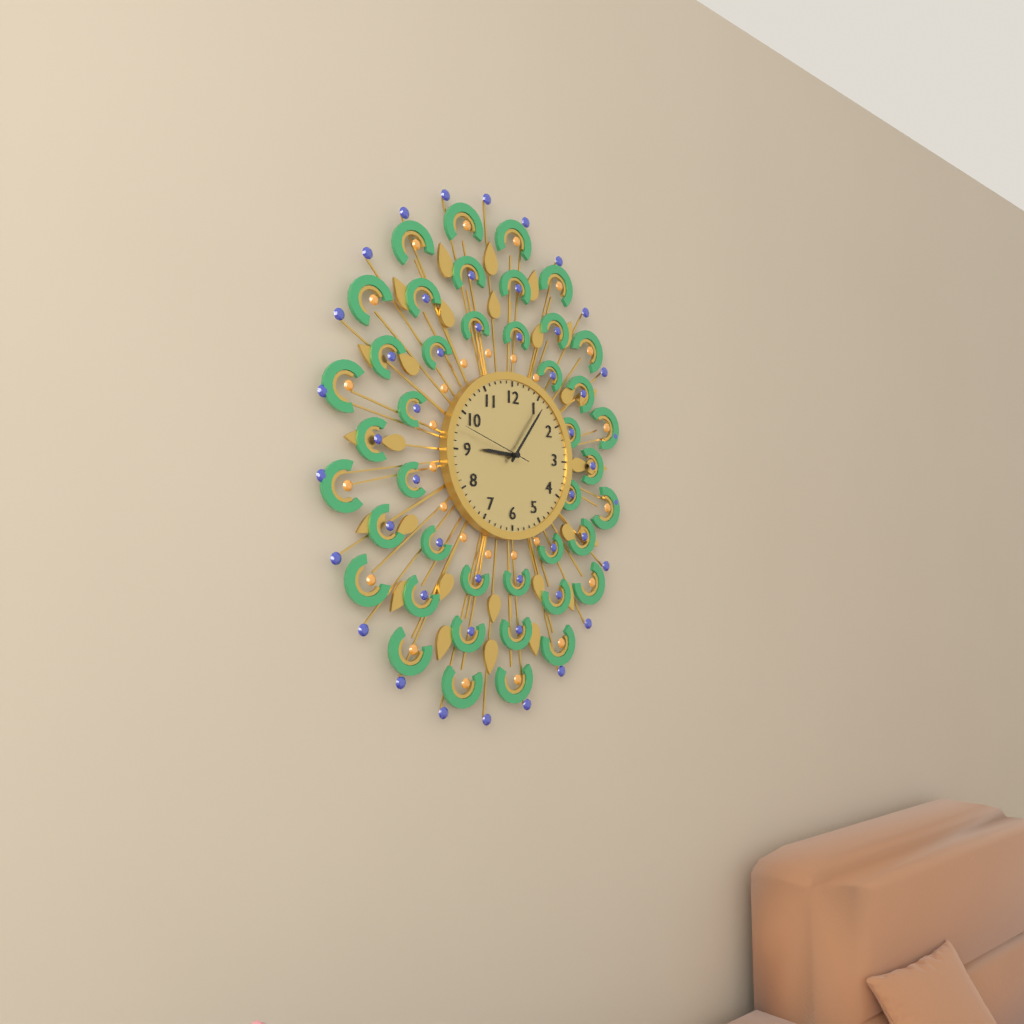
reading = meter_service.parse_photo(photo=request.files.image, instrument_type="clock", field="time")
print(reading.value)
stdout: 9:06:48
